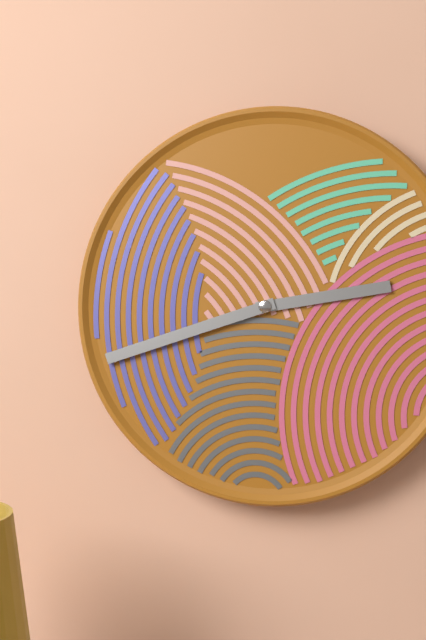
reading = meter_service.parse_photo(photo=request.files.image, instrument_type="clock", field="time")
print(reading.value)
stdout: 2:42
